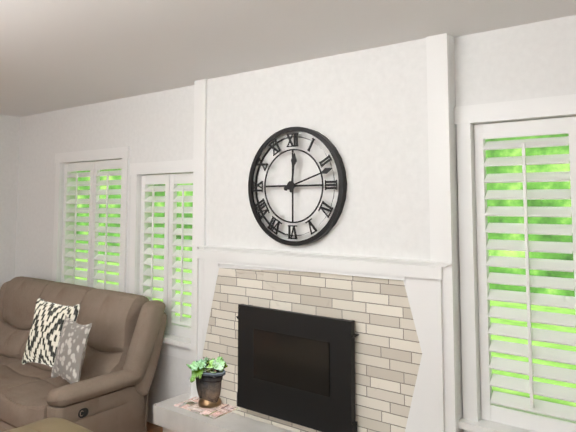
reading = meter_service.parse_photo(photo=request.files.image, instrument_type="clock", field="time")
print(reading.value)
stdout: 12:12
